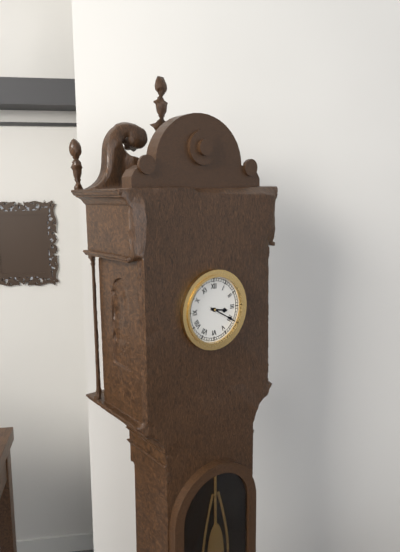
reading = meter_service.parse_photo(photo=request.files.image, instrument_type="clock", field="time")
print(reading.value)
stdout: 3:20
